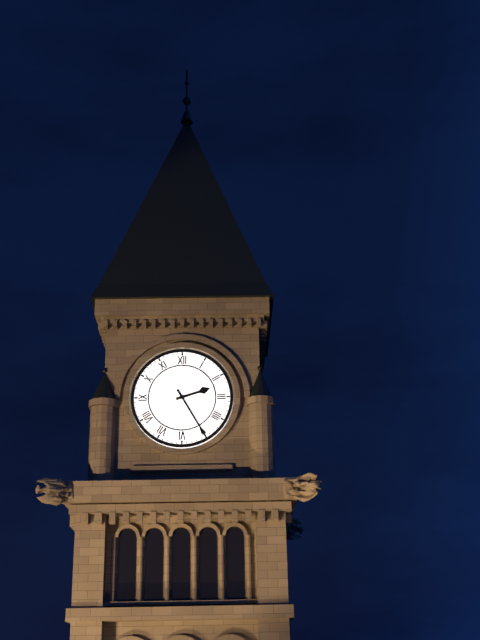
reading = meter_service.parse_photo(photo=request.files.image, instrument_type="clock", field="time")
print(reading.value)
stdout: 2:25
